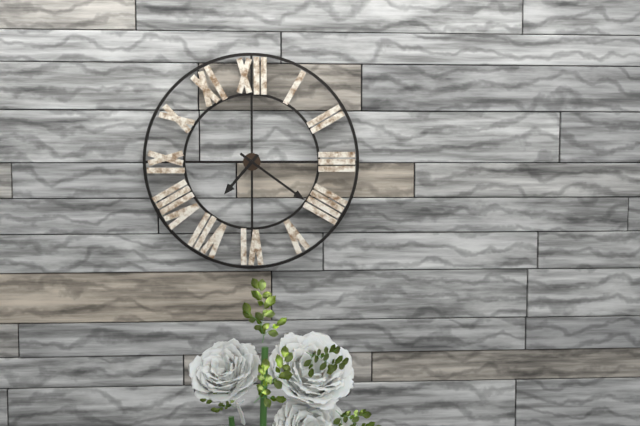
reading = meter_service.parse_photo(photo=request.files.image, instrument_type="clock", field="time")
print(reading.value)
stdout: 7:21
